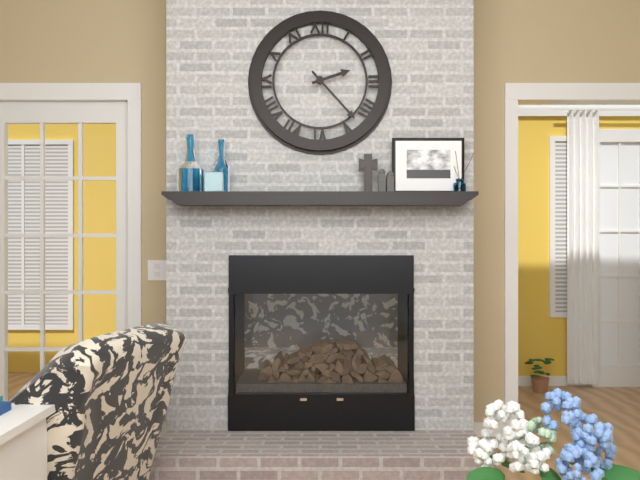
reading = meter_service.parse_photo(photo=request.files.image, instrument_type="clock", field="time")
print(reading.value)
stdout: 2:23
